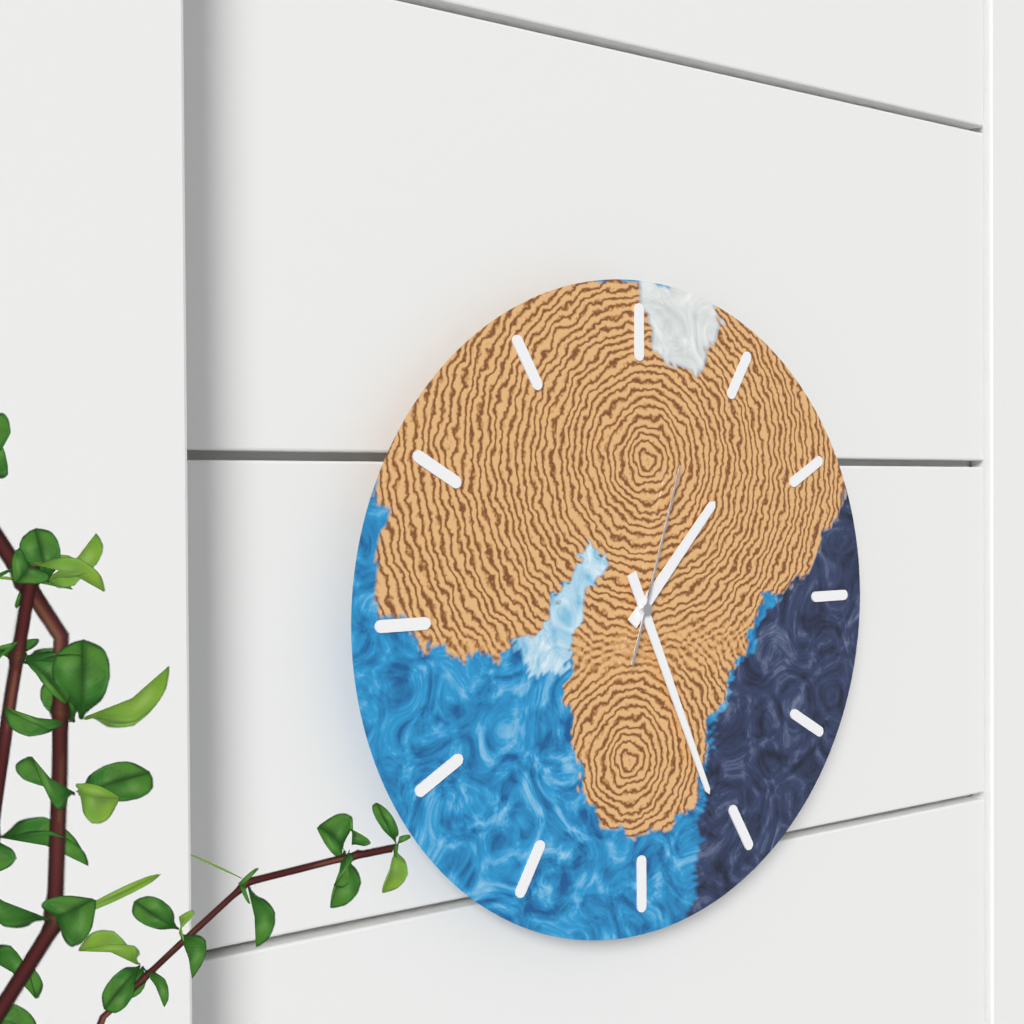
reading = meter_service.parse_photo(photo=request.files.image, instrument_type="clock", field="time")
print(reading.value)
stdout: 1:26:03
